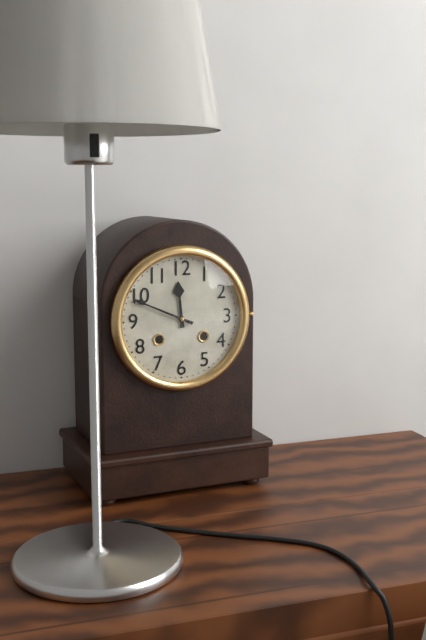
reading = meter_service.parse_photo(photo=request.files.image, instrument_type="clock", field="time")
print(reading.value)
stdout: 11:49
